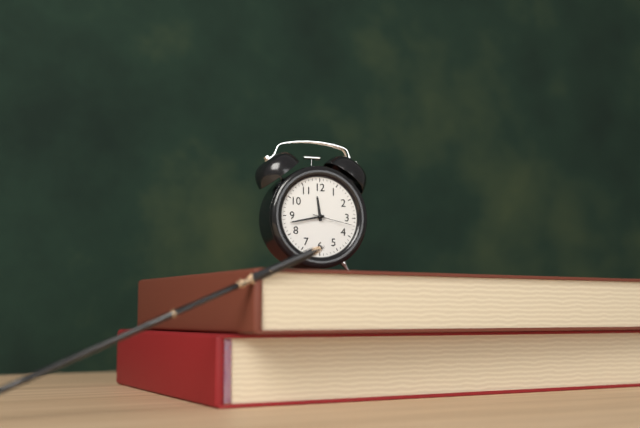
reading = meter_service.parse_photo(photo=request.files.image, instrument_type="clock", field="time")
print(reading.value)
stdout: 11:43
